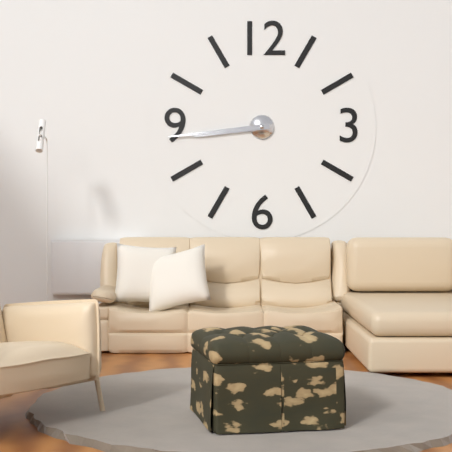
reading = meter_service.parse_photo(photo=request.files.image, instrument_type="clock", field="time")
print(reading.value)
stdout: 8:44
